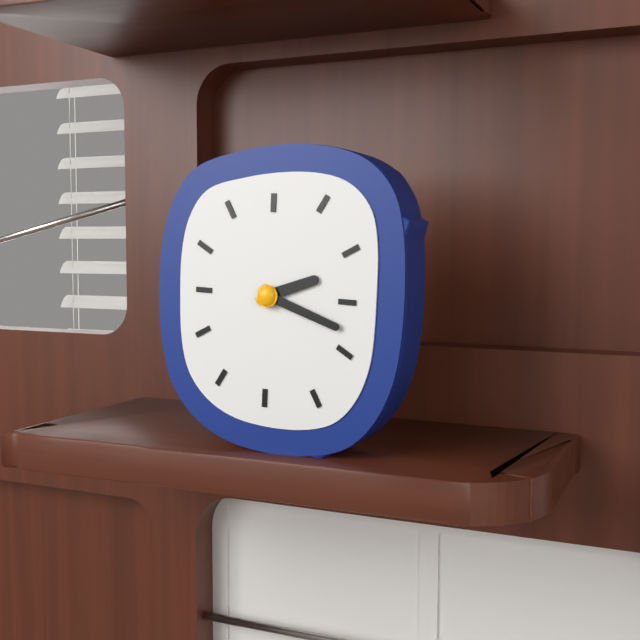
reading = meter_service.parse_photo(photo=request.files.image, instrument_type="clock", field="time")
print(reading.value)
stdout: 2:18
